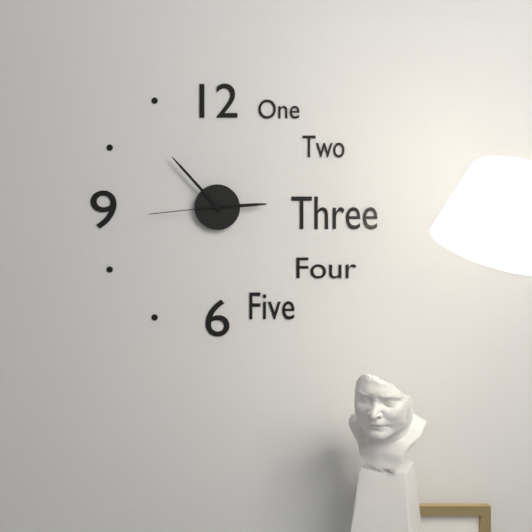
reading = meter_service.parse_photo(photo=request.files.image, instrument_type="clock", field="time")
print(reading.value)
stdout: 2:53:44
